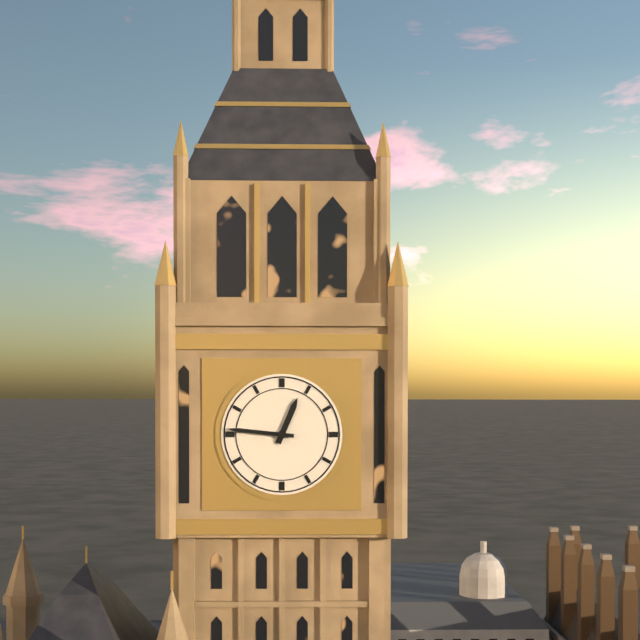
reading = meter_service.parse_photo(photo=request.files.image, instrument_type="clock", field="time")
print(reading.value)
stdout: 12:46
